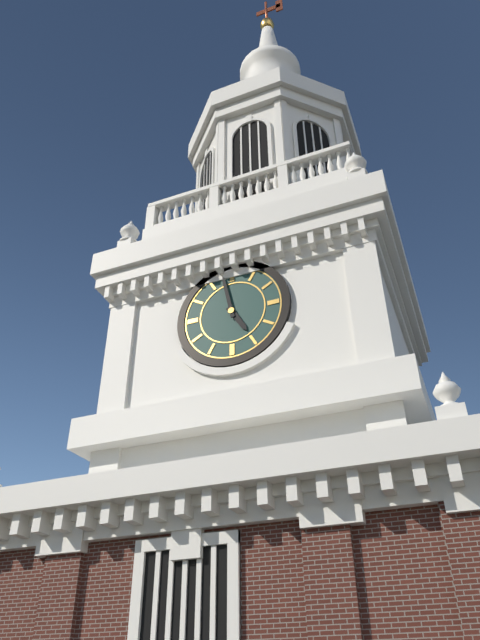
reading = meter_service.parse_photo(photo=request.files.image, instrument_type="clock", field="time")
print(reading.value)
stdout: 4:58
